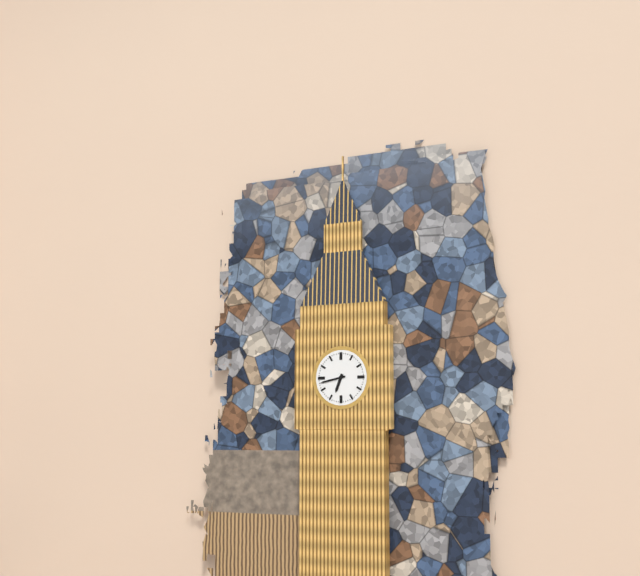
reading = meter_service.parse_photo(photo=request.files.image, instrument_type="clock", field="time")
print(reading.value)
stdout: 6:43
